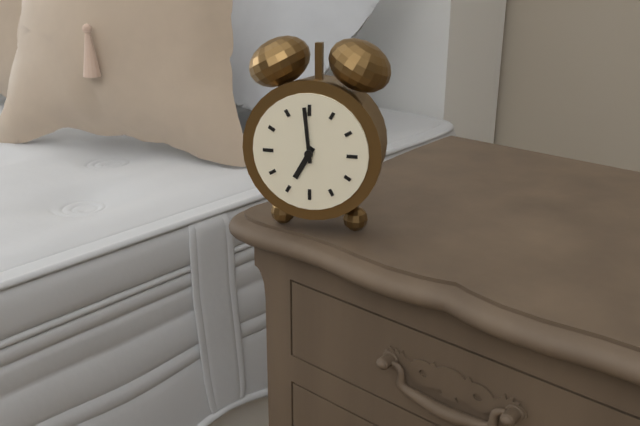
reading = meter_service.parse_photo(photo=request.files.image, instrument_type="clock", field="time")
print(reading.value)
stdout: 6:59
